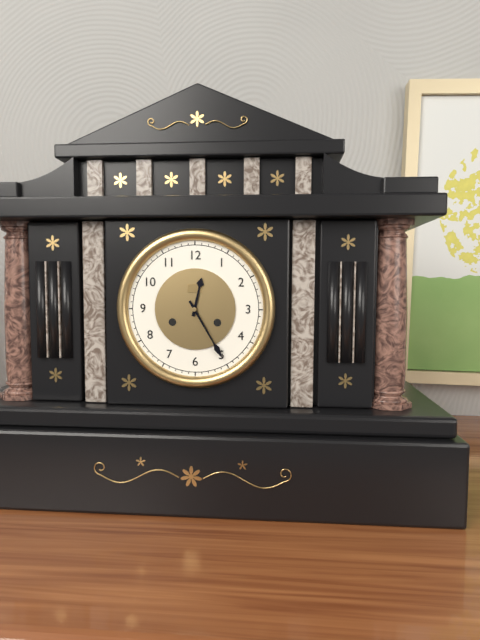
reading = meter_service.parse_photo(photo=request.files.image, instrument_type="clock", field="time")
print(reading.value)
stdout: 12:25
